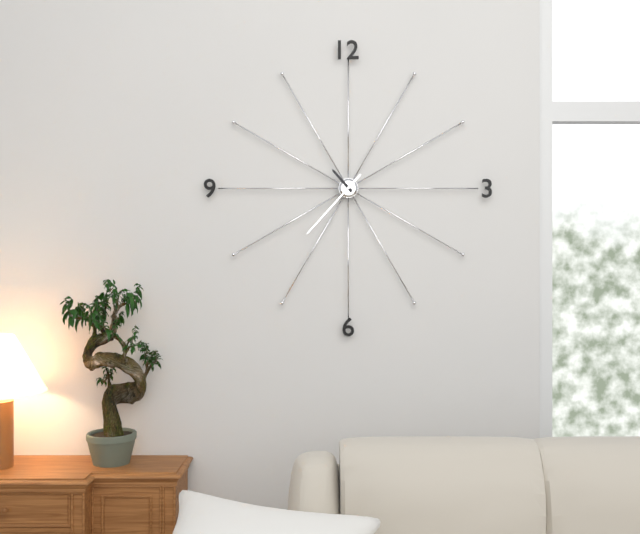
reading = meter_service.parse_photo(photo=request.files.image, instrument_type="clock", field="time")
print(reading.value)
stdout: 10:37
